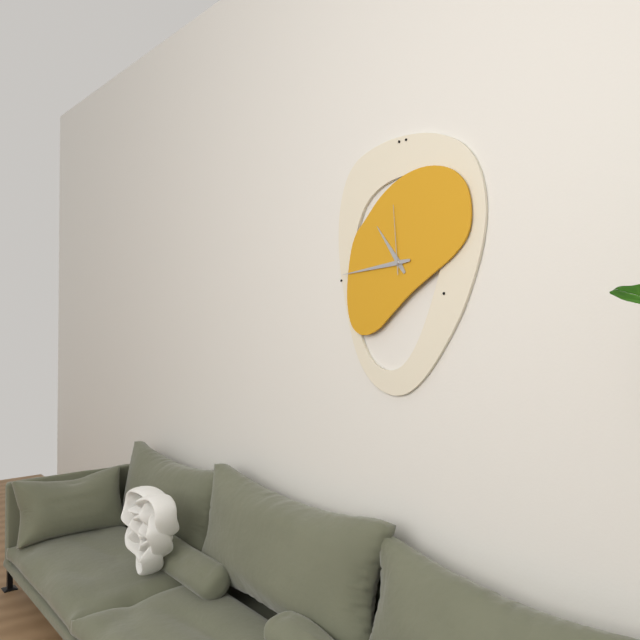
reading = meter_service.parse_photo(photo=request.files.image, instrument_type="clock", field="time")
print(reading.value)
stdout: 10:44:59
